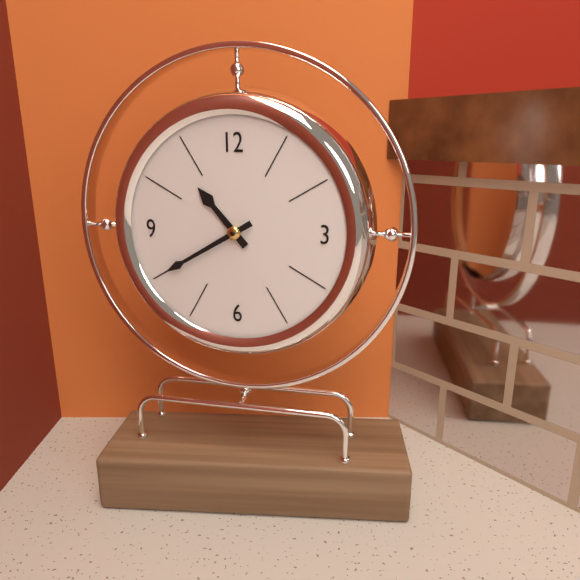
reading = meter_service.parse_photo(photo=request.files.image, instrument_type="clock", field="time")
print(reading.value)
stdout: 10:40
